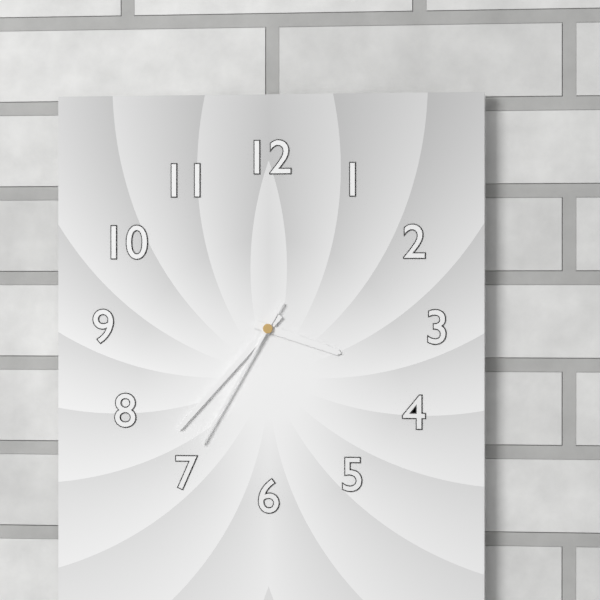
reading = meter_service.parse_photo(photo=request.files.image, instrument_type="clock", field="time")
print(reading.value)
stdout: 3:37:35
